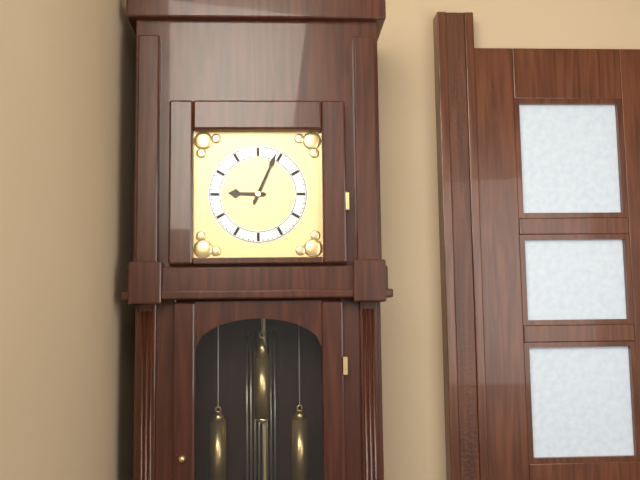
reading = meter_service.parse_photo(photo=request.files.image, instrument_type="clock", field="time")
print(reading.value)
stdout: 9:04
